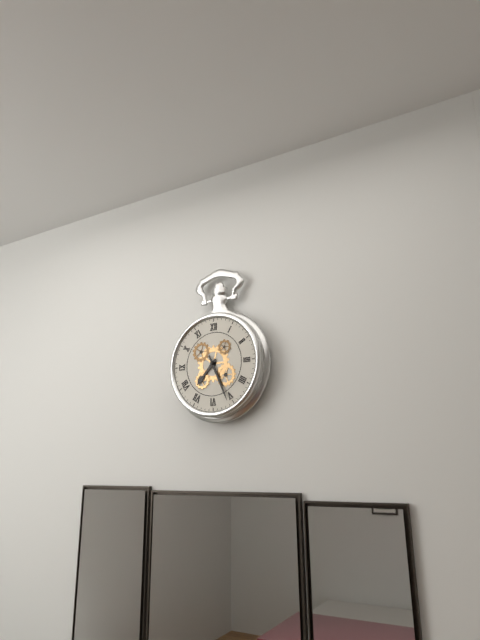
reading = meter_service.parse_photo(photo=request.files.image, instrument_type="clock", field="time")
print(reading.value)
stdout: 7:26
